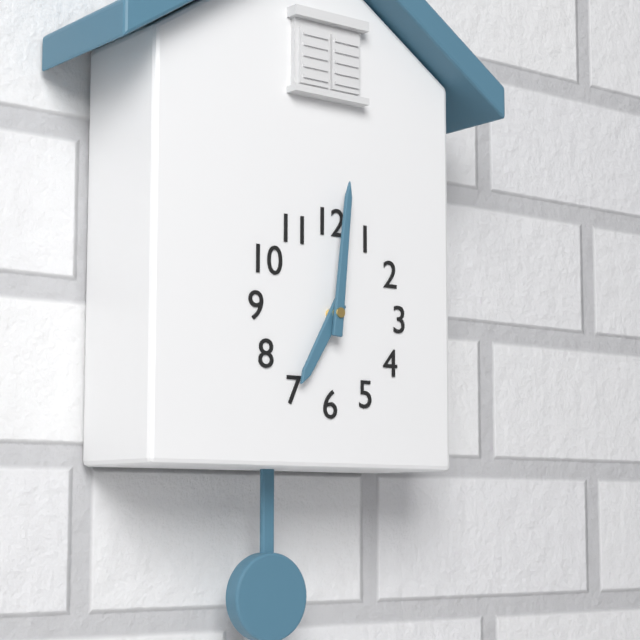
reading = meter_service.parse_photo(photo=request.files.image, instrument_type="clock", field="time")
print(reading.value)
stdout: 7:01
